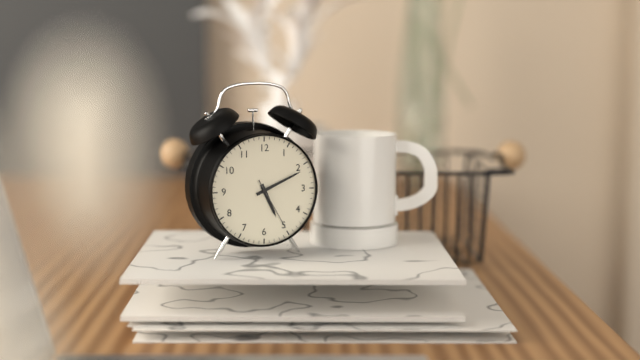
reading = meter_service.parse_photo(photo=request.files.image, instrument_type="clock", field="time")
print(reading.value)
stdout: 5:11:25
